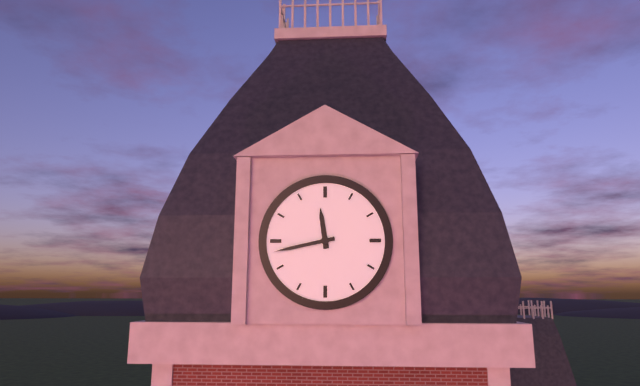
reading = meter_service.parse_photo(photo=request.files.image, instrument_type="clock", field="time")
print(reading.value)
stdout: 11:43
